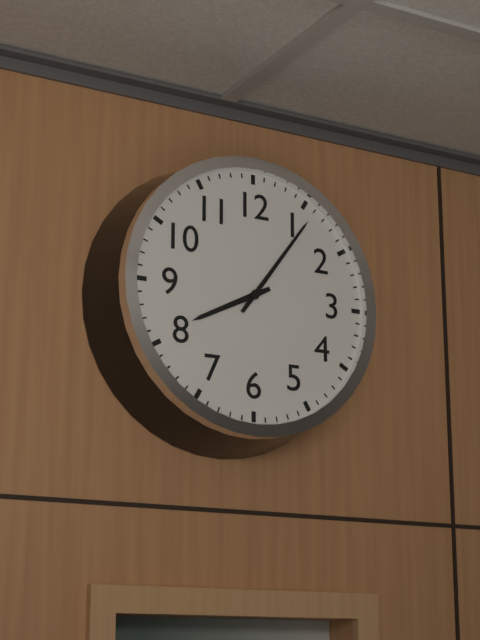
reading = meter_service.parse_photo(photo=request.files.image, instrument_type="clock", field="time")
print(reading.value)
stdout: 8:06
